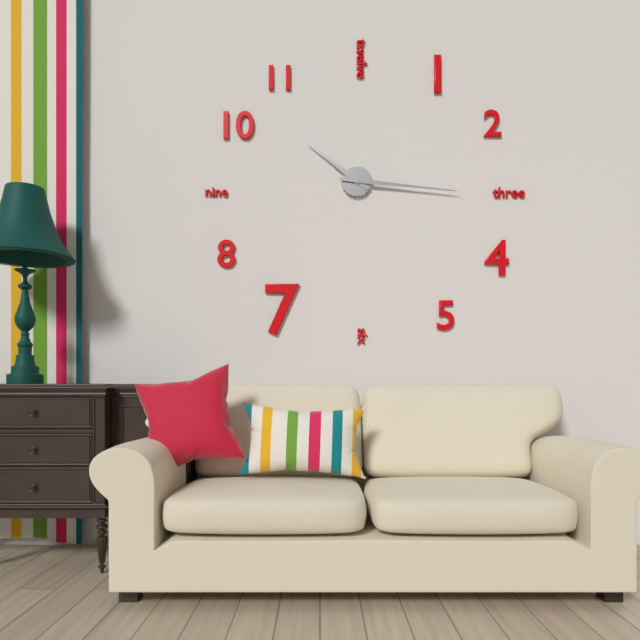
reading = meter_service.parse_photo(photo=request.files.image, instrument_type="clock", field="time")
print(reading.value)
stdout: 10:16
